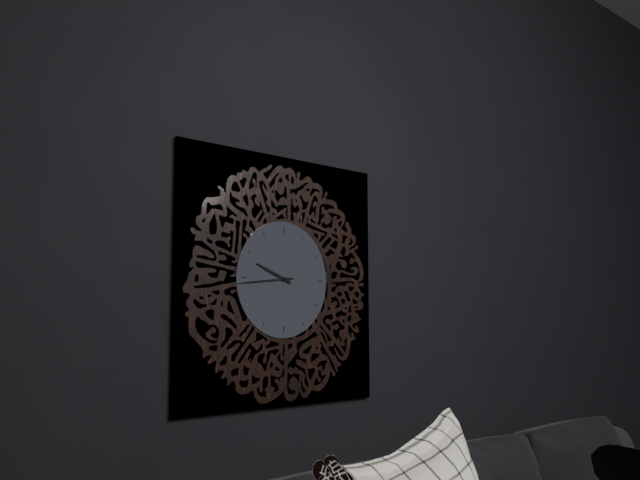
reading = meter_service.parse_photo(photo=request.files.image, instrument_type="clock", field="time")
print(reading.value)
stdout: 9:44
